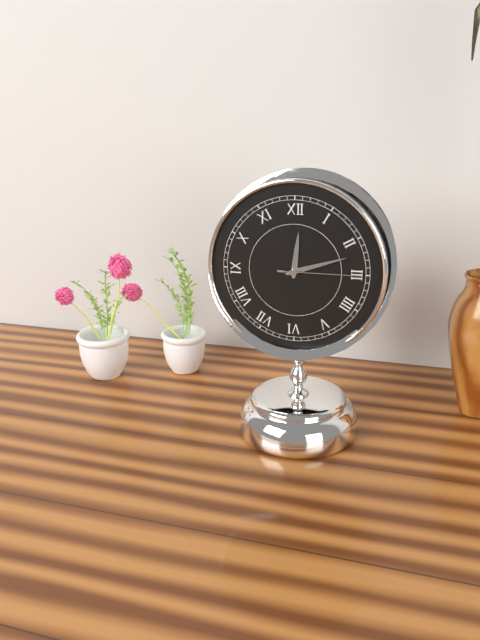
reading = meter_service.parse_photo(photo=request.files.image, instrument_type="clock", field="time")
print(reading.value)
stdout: 12:12:15
